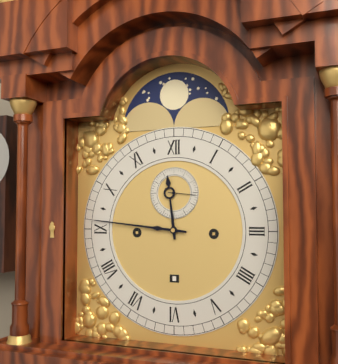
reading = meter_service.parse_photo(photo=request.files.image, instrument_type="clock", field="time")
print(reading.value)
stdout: 11:46
